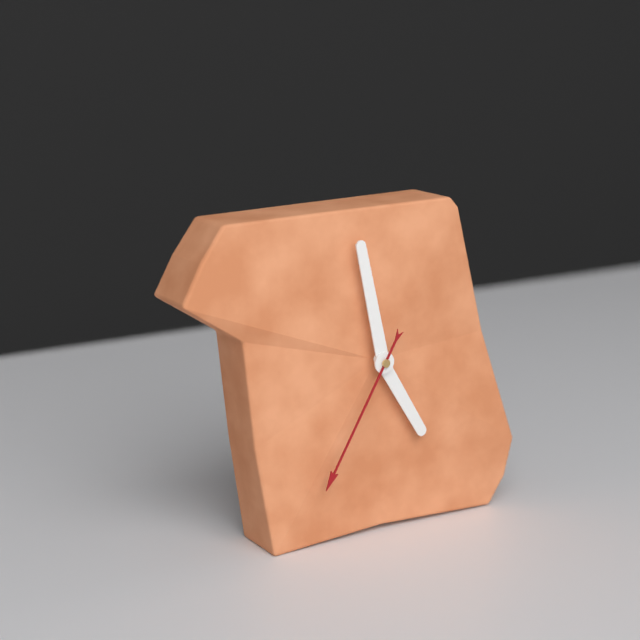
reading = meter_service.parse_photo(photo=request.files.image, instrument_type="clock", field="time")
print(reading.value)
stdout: 4:58:35
